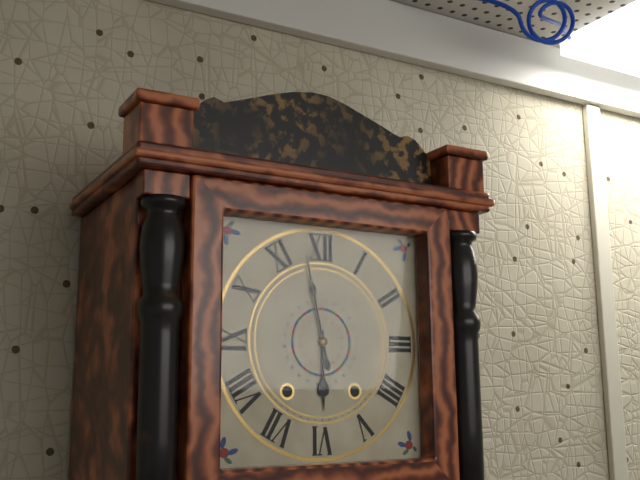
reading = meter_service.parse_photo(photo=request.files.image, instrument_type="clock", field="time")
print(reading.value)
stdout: 5:58
